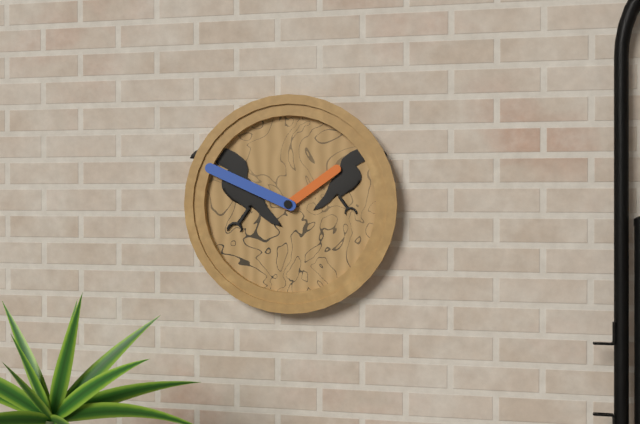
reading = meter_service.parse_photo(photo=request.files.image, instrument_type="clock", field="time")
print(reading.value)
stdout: 1:49
